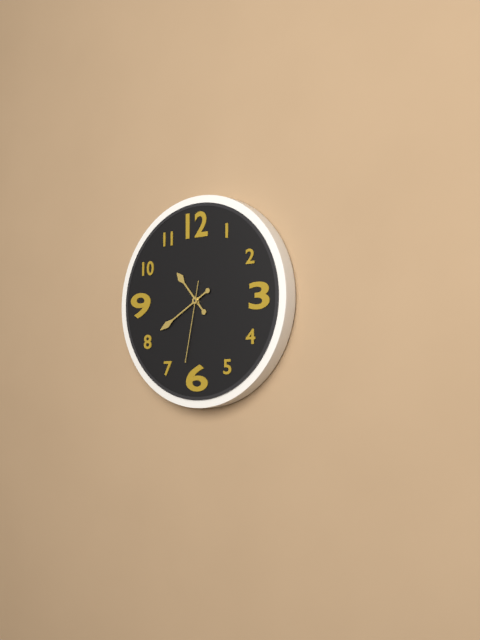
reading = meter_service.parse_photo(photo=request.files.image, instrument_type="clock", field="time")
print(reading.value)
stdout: 10:40:32
